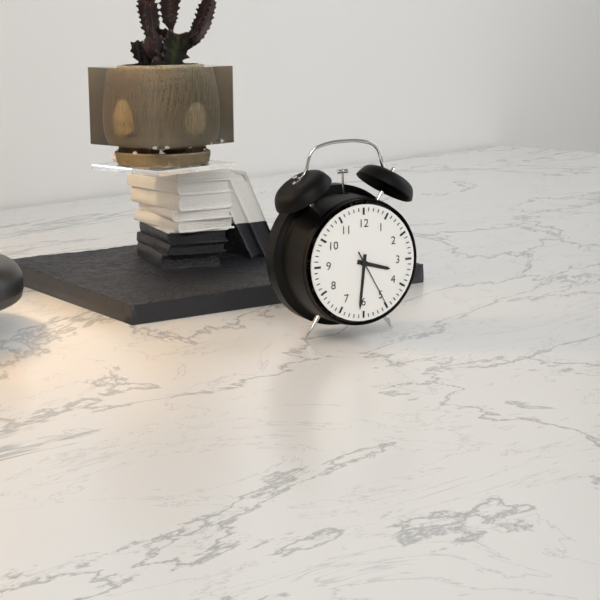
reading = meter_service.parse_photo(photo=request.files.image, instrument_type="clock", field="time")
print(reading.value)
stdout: 3:31:25
